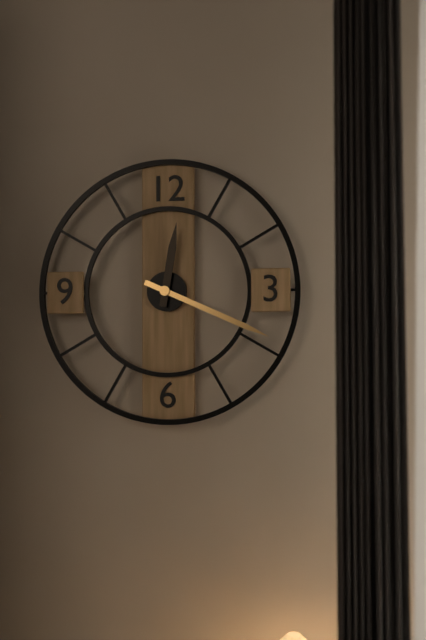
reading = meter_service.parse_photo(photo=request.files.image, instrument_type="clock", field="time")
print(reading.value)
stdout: 12:19
